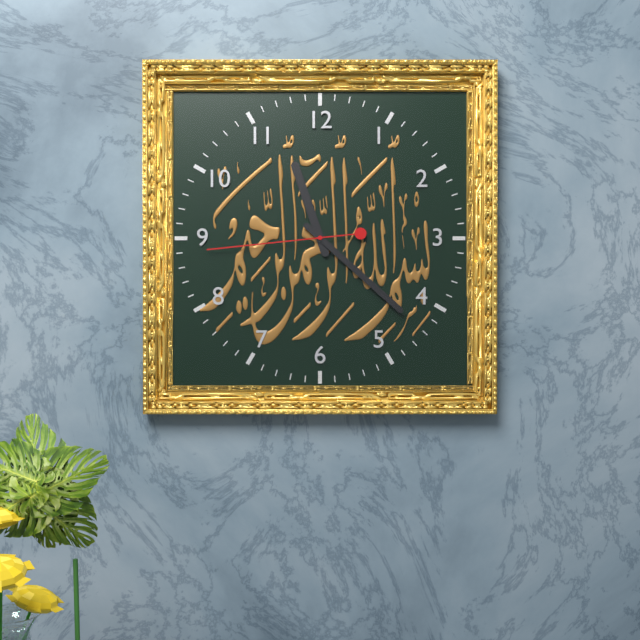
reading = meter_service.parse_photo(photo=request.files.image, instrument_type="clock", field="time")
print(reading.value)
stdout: 11:22:44
